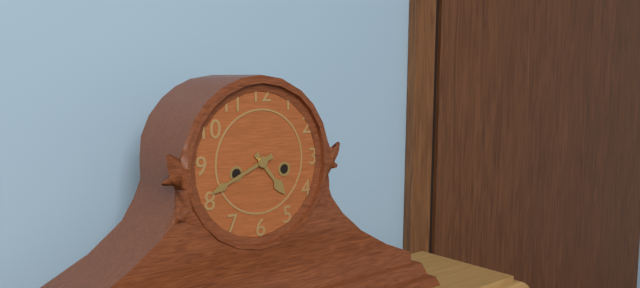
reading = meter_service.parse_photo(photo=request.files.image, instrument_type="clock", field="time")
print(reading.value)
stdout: 4:41
